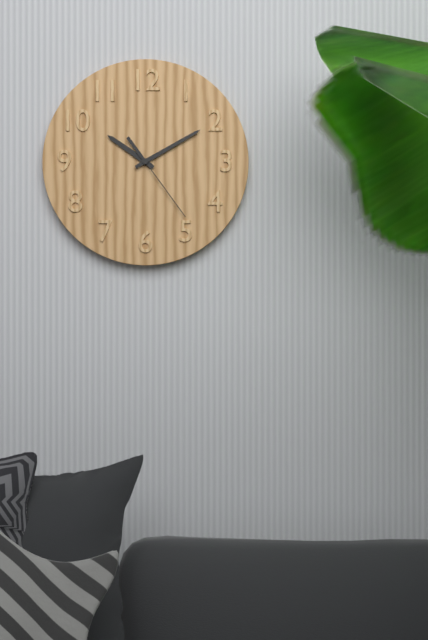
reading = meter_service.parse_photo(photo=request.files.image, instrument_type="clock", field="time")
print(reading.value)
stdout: 10:10:24
